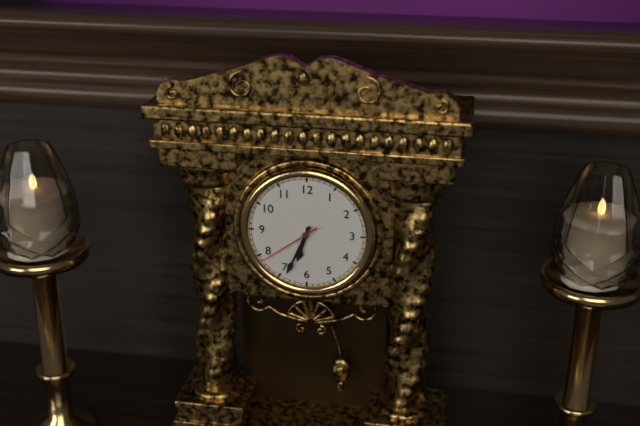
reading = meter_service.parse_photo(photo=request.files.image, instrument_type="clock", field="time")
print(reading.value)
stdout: 6:34:39
